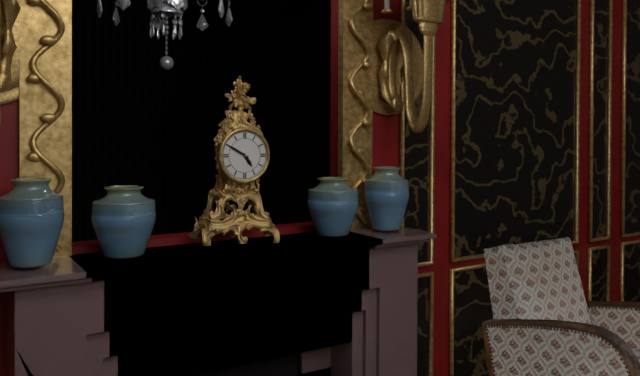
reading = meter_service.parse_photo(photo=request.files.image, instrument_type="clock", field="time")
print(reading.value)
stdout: 4:50
